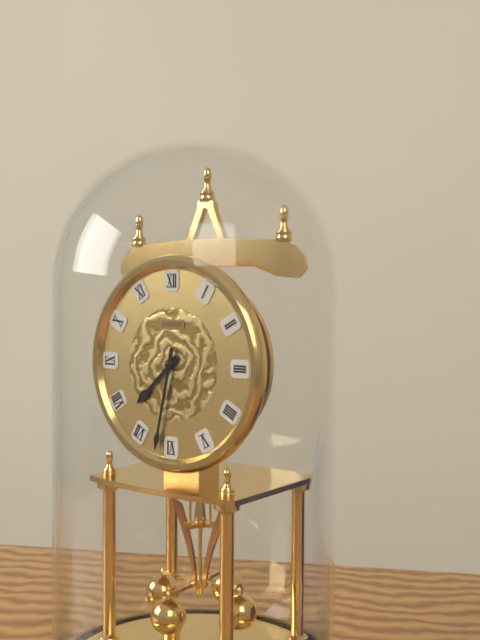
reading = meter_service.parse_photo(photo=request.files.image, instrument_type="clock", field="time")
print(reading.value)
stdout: 7:32
